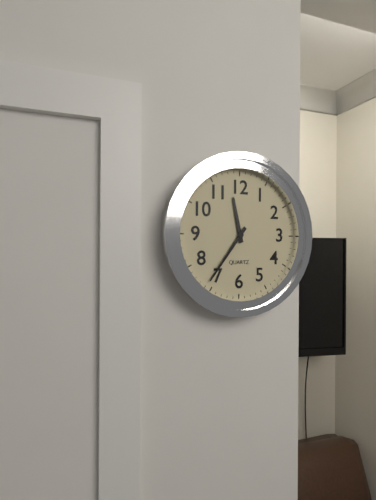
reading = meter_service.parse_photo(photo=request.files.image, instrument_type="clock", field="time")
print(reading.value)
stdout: 11:36
